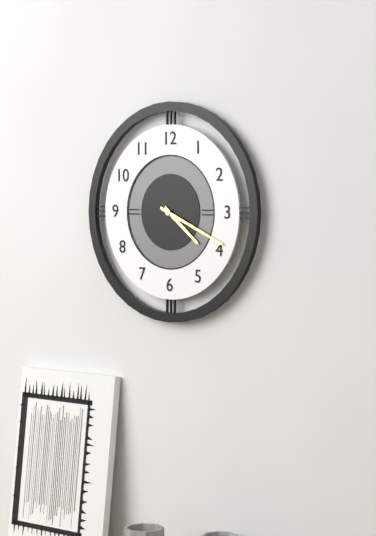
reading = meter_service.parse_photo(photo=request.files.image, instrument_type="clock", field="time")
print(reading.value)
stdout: 4:19
